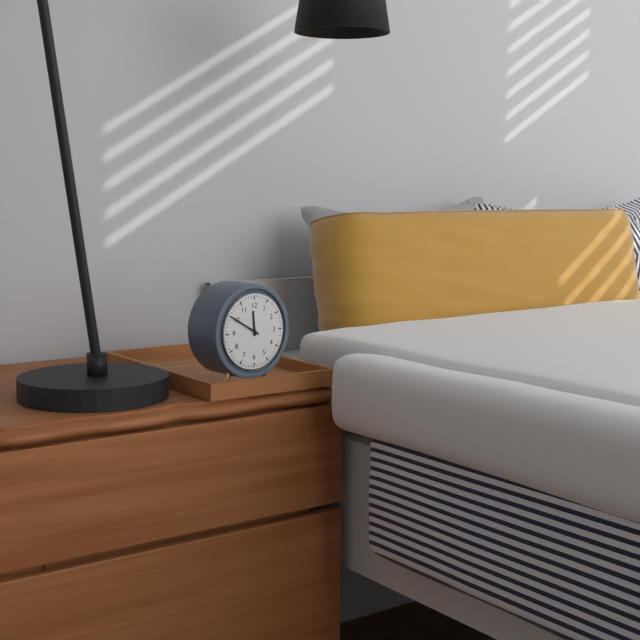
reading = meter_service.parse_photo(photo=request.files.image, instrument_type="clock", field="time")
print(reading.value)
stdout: 11:50
